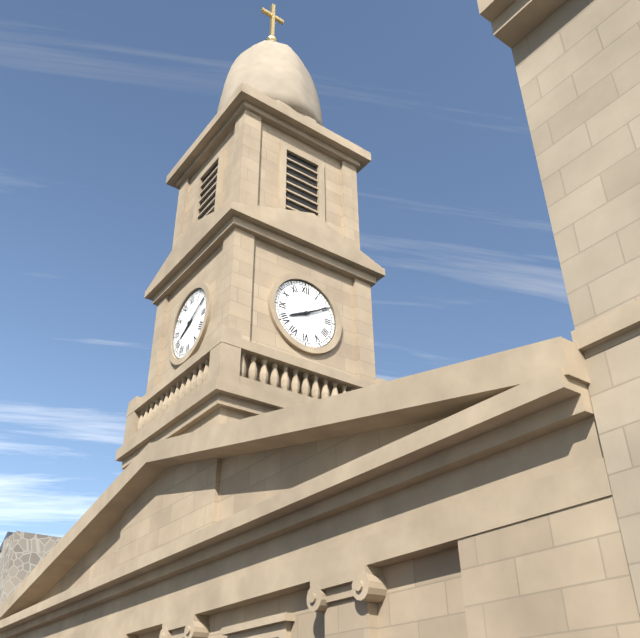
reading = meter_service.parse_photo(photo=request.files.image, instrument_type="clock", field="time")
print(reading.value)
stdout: 8:10
